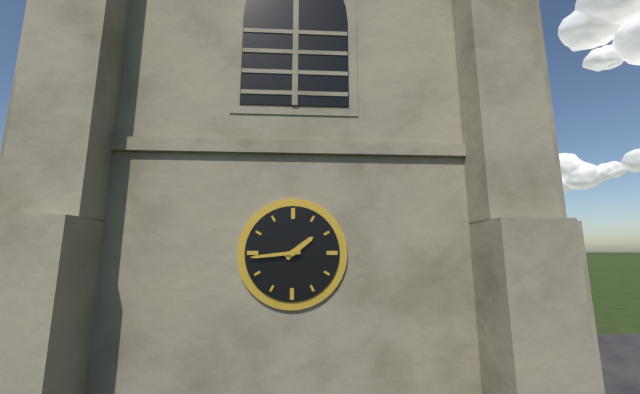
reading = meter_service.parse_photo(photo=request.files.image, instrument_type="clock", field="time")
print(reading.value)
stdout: 1:44
